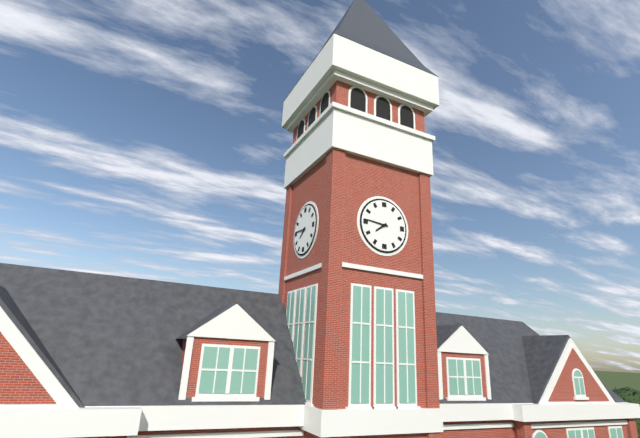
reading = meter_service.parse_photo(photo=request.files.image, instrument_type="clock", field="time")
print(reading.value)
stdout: 7:46
